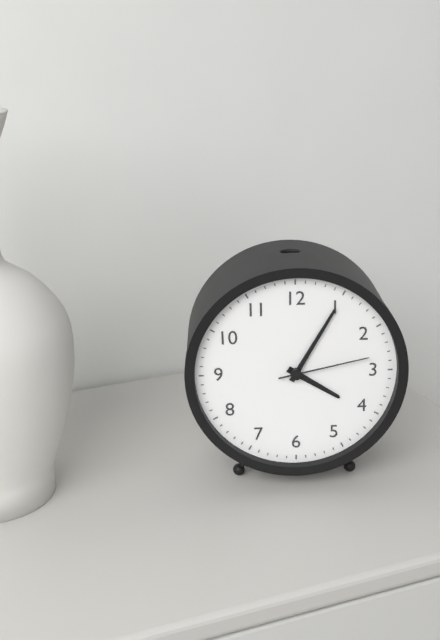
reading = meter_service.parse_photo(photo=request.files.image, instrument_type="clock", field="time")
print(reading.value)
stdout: 4:05:13
